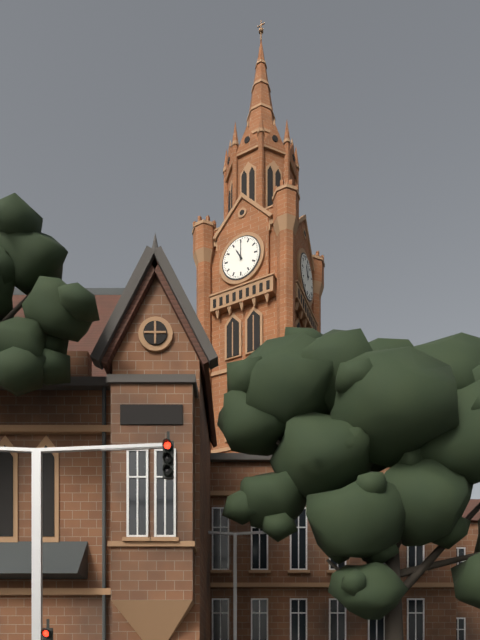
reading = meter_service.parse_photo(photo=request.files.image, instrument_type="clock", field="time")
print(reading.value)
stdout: 11:00
